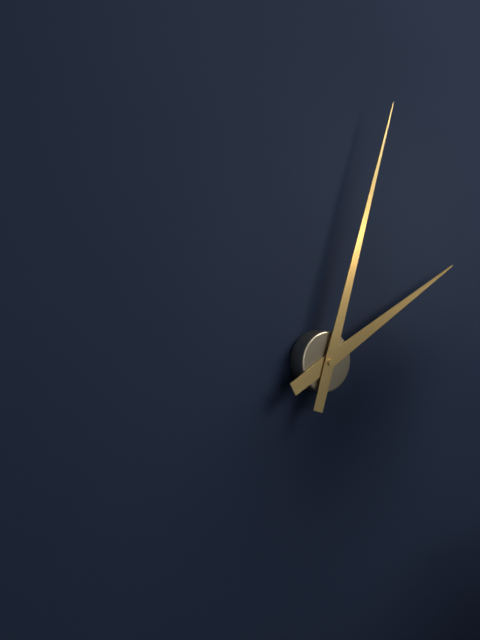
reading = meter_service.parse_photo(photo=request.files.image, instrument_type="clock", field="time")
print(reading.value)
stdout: 2:03
